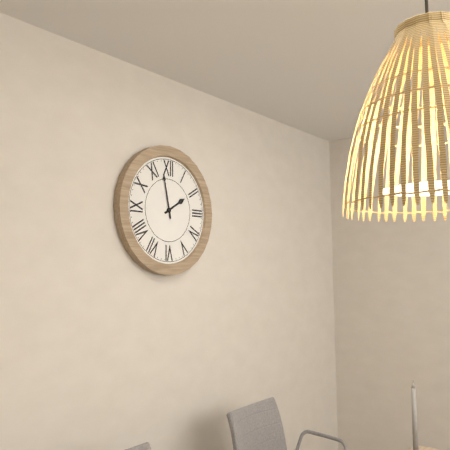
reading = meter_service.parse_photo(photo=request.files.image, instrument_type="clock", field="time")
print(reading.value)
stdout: 1:58
